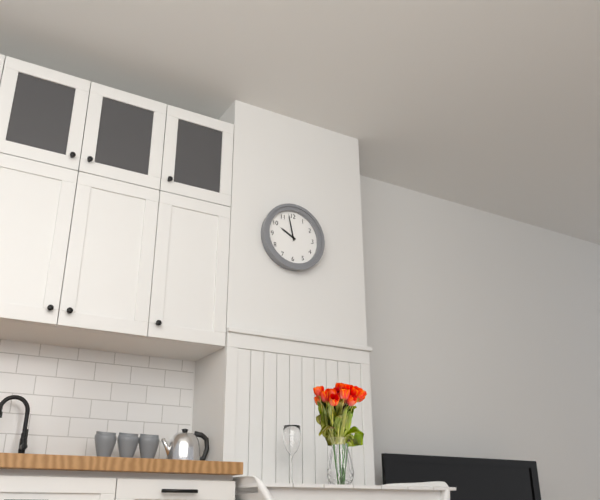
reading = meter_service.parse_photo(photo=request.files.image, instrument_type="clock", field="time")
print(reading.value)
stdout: 9:58
